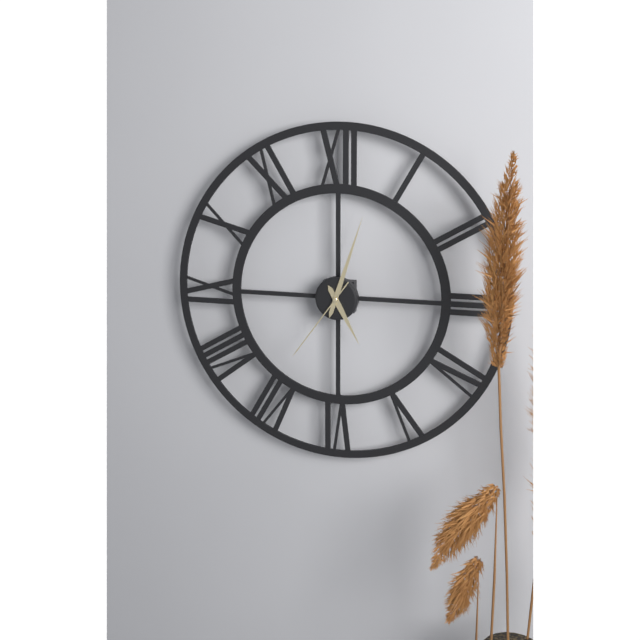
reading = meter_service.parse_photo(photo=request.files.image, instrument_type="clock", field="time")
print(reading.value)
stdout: 5:03:36
